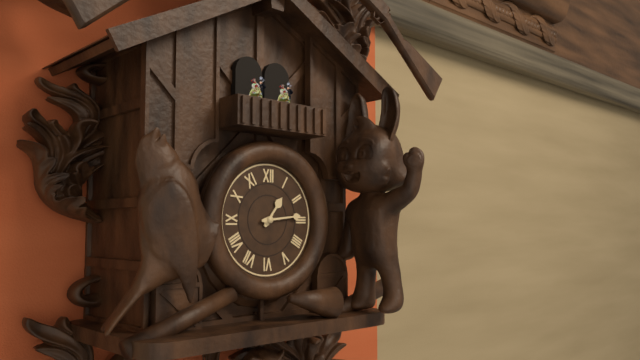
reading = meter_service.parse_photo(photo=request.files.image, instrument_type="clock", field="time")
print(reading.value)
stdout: 1:14
